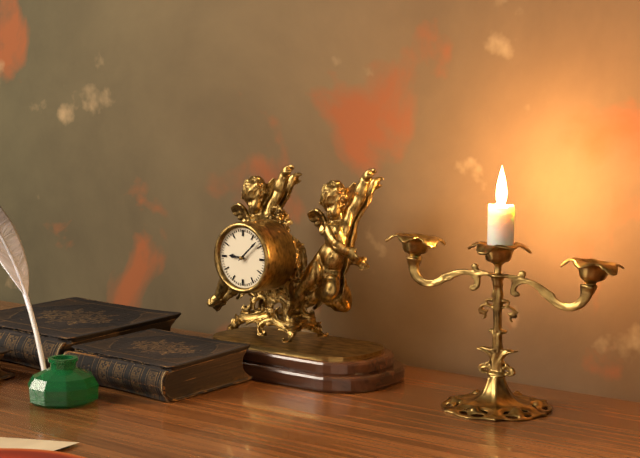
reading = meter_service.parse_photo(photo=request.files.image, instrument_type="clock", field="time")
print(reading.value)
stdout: 9:08
